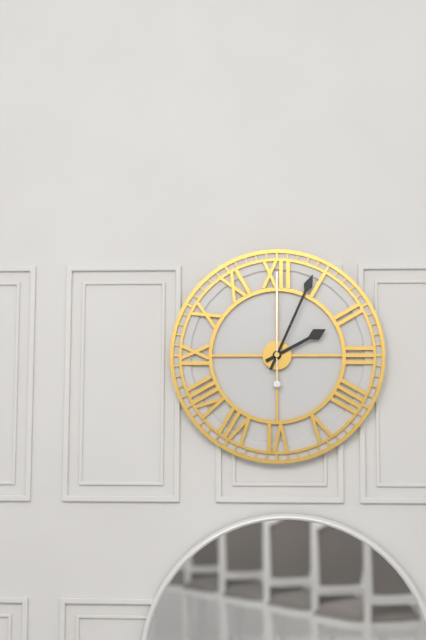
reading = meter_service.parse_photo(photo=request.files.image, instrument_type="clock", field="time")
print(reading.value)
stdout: 2:04:00
